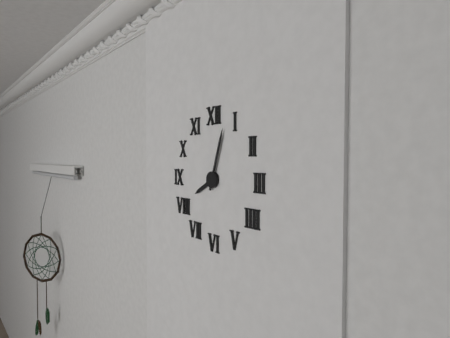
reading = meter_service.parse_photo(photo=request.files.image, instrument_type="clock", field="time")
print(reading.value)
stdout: 8:03
